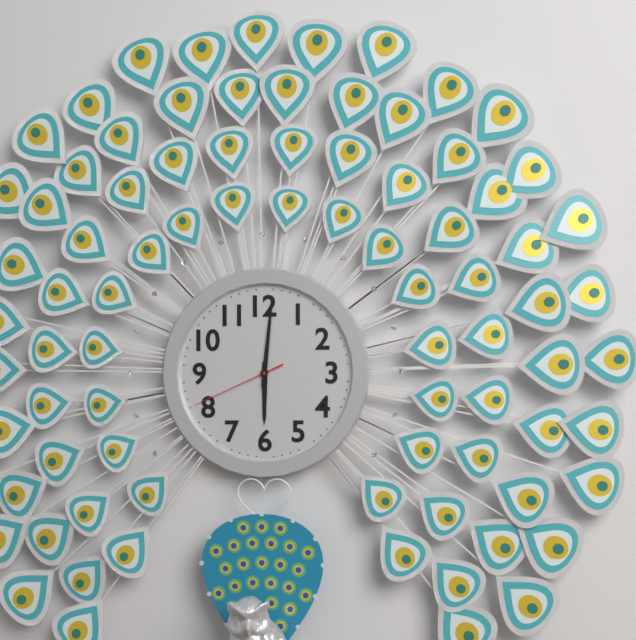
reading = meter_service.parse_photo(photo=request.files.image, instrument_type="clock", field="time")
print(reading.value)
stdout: 6:01:41
